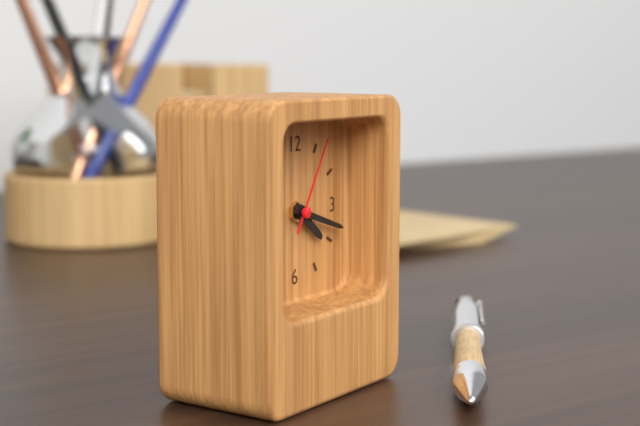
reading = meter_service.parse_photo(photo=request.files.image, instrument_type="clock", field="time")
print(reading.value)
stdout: 4:18:05
